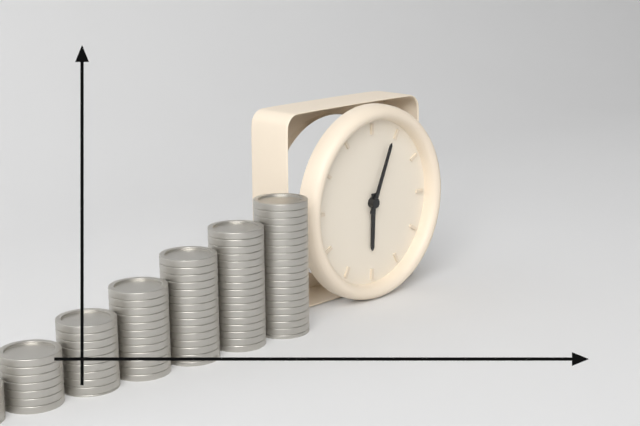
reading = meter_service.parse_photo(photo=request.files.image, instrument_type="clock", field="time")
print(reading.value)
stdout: 6:04
